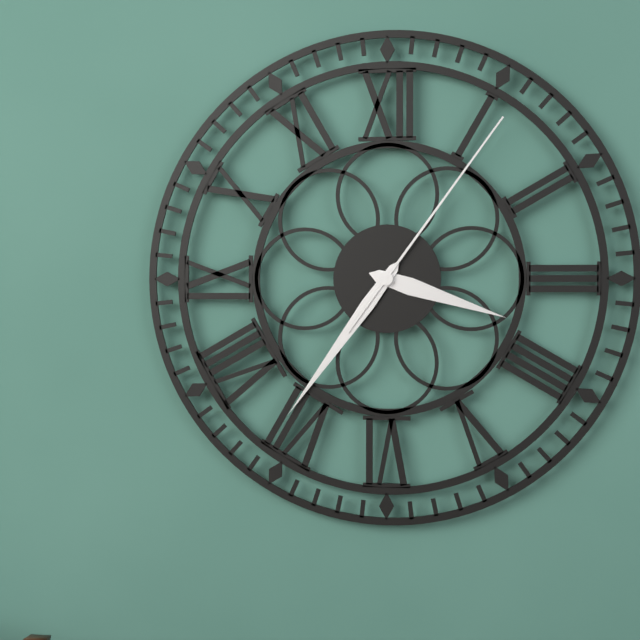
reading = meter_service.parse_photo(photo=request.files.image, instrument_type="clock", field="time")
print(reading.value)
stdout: 3:36:06
